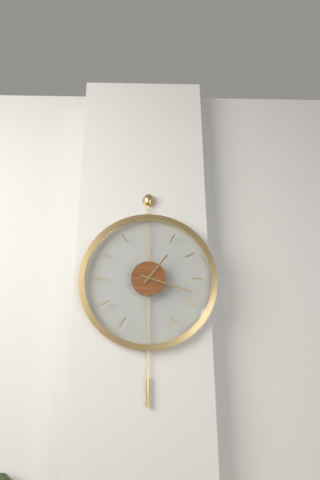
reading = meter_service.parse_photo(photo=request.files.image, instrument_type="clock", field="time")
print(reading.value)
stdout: 1:18
